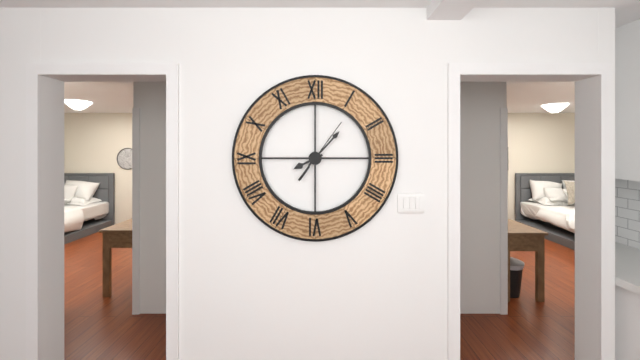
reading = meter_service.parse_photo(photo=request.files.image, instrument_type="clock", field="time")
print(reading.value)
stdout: 8:07:06
